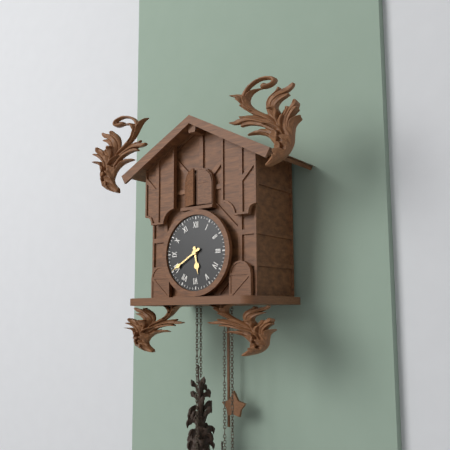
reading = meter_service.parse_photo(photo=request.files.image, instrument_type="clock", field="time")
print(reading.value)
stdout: 5:40
